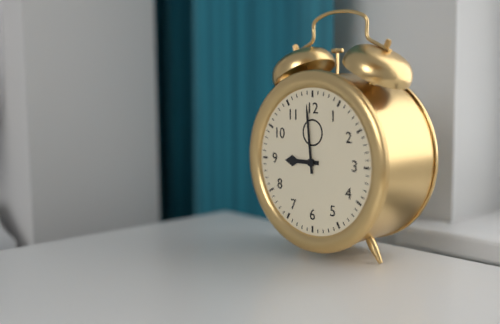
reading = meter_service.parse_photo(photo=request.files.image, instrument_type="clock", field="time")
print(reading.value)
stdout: 8:59
